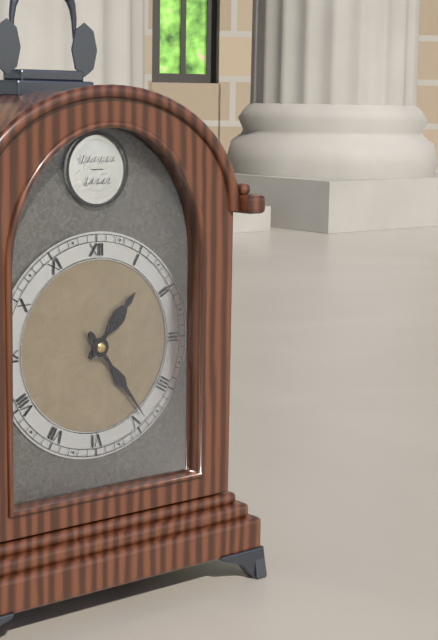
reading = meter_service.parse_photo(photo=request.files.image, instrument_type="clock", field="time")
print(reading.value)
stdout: 1:24
